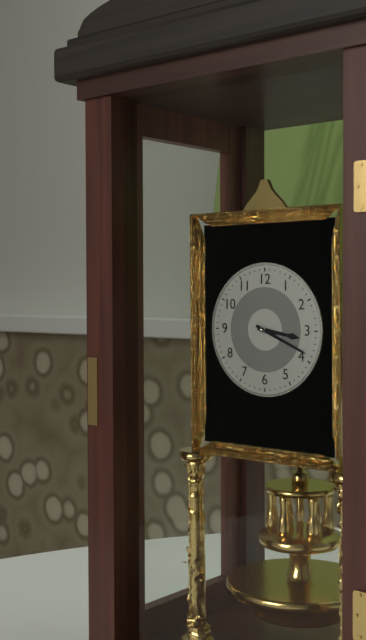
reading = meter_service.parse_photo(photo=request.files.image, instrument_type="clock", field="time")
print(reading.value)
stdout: 3:19
